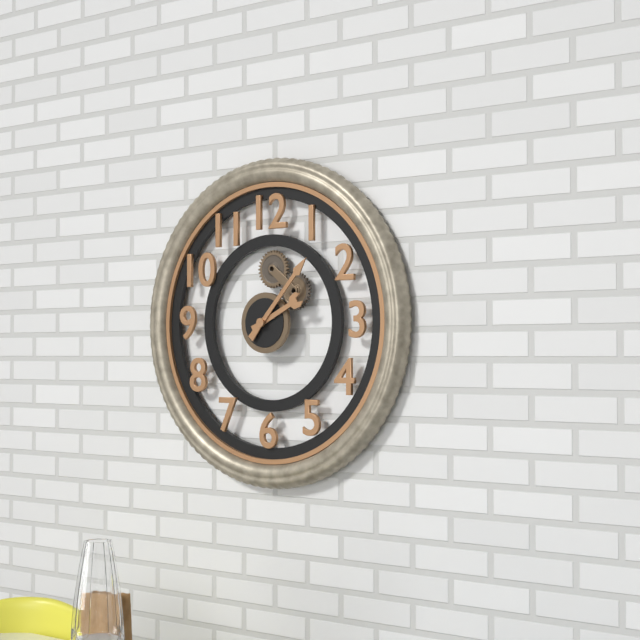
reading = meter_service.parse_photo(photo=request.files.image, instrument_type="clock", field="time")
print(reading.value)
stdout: 2:07
